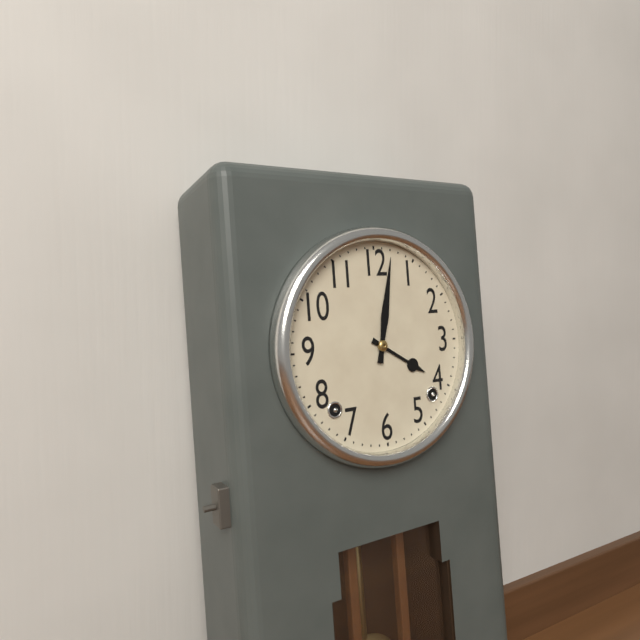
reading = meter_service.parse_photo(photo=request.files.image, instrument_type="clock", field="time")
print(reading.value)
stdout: 4:02
